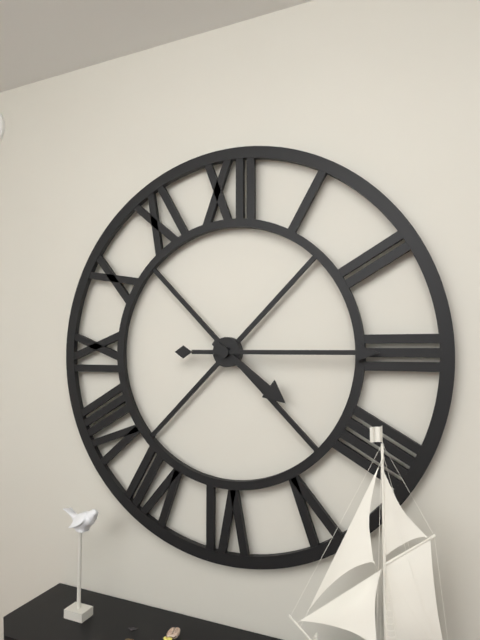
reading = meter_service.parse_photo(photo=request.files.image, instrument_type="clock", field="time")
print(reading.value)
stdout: 4:15
